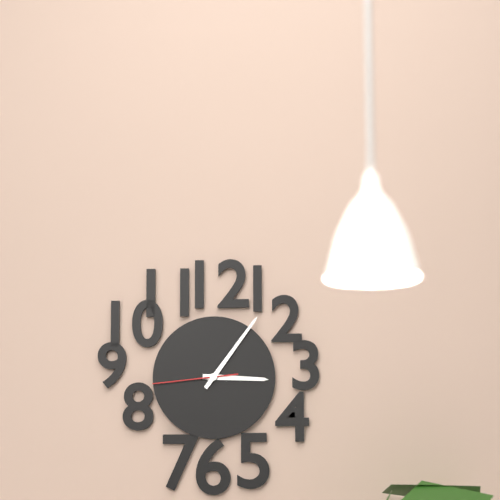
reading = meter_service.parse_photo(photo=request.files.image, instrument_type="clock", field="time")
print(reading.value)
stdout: 3:06:44
